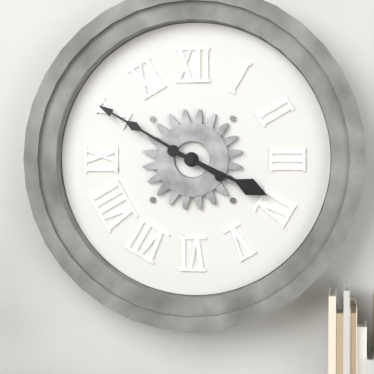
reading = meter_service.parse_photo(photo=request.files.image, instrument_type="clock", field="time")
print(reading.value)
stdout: 3:50
